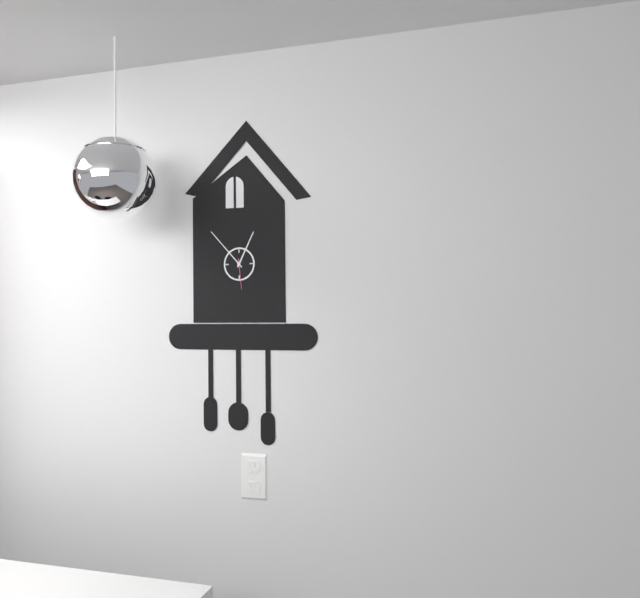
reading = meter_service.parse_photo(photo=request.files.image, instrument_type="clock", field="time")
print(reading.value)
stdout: 12:53
